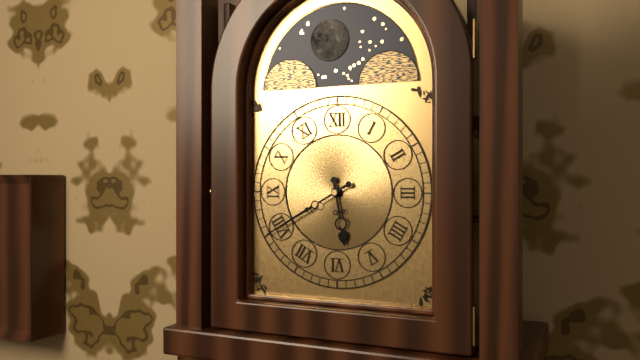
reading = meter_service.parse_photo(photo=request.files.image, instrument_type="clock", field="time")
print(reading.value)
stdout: 5:40
